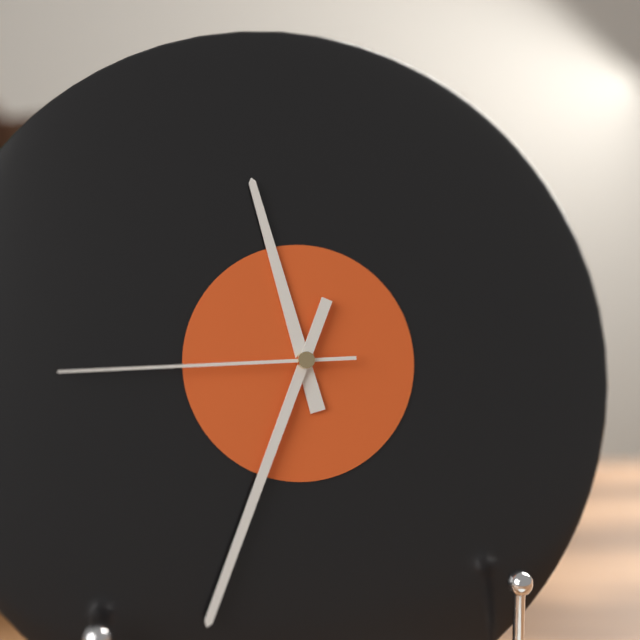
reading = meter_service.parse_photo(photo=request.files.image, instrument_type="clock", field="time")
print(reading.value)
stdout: 11:34:45
